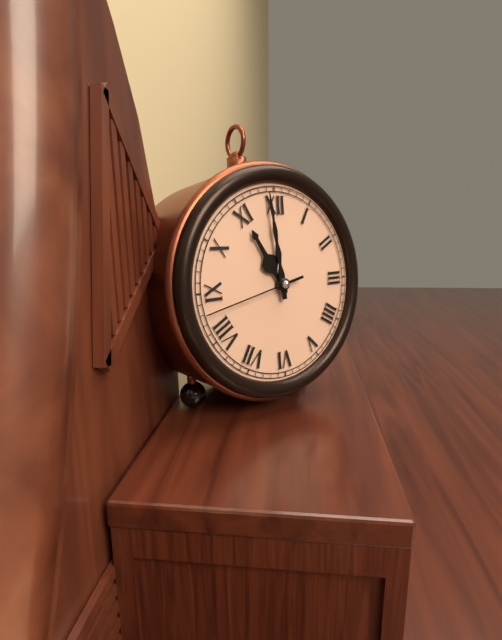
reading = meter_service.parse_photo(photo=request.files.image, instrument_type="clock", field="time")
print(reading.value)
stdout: 10:59:43
